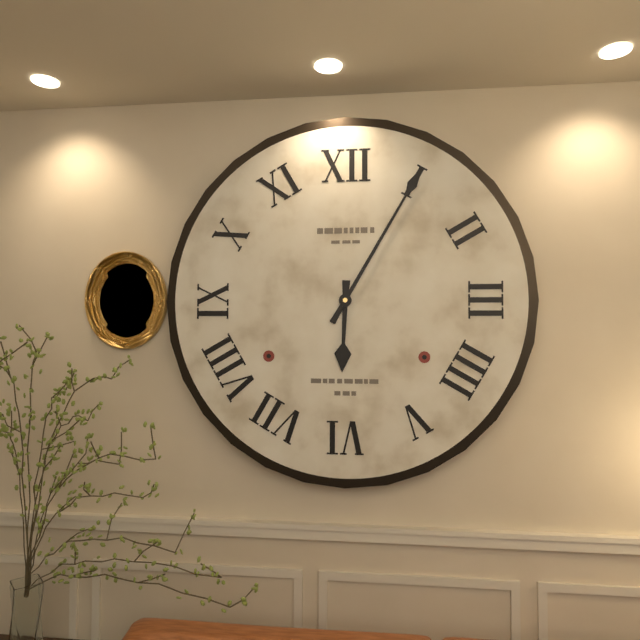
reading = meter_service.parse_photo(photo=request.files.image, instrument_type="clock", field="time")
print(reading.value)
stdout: 6:05
